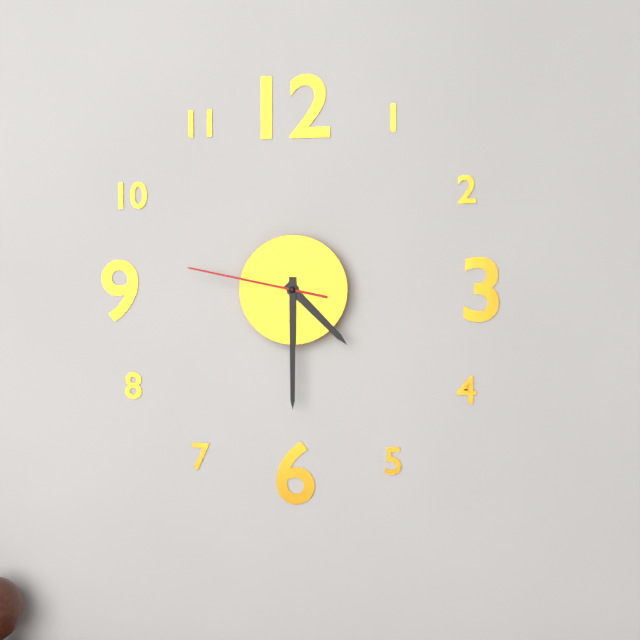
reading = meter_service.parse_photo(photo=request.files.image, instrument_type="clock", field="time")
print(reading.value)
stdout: 4:30:47
